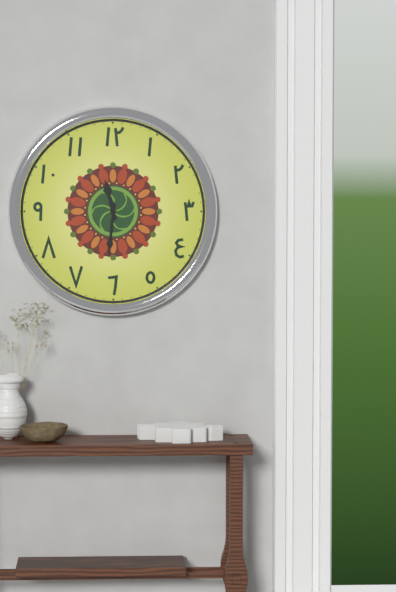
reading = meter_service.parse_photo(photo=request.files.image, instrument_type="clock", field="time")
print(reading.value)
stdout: 11:31
